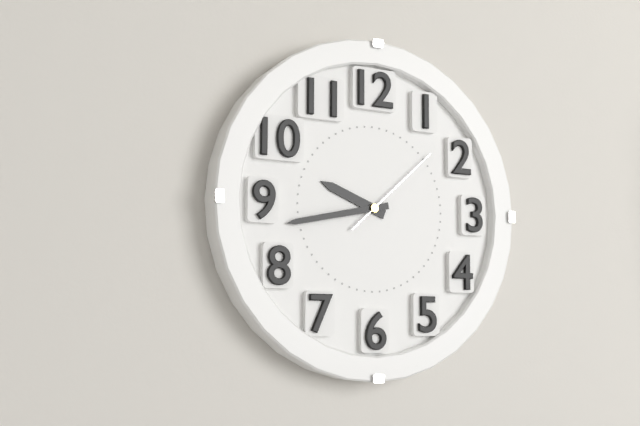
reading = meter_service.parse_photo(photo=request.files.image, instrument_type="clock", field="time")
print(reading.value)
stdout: 9:43:08
